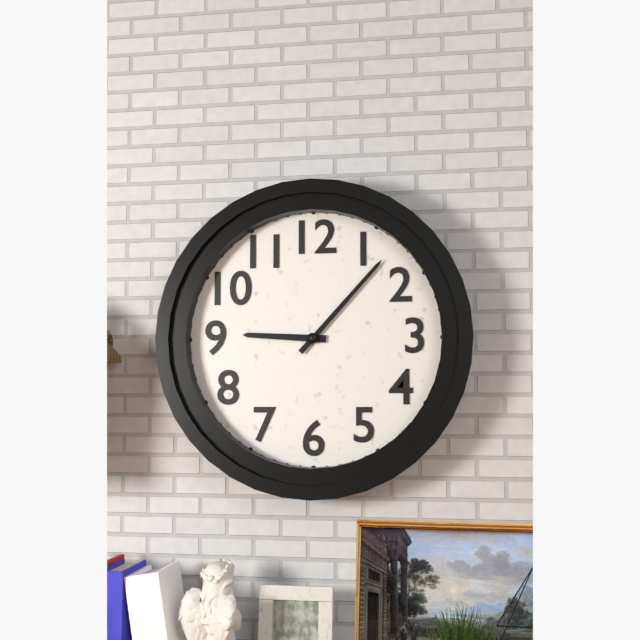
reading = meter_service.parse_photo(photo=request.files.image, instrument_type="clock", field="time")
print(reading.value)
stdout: 9:07
